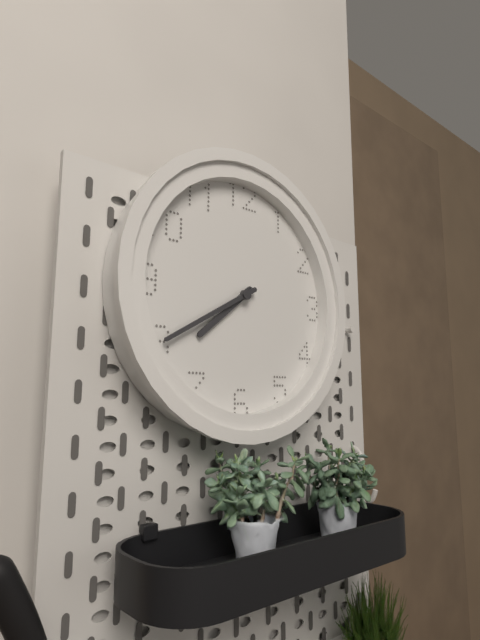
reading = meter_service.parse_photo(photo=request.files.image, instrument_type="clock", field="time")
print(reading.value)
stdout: 7:40
